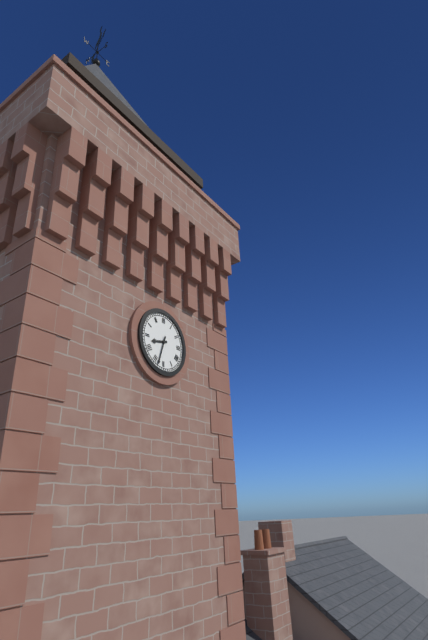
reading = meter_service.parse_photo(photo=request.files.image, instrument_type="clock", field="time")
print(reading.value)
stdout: 8:33
